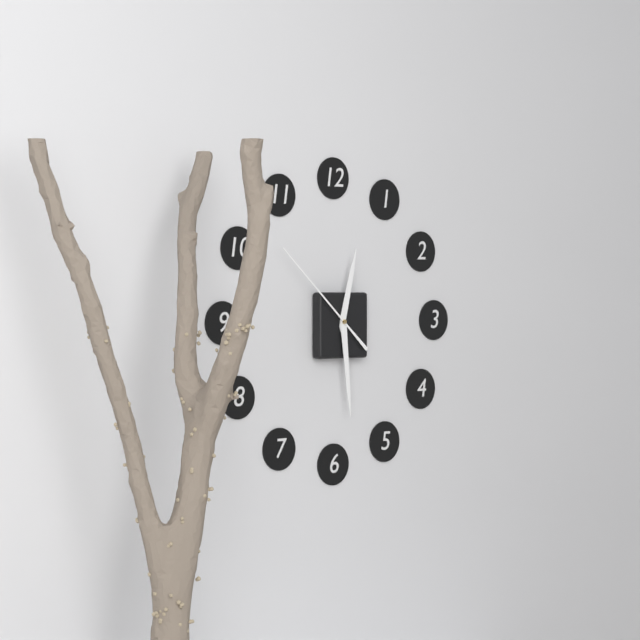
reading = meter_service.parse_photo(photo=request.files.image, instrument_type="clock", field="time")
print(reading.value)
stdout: 12:29:52
